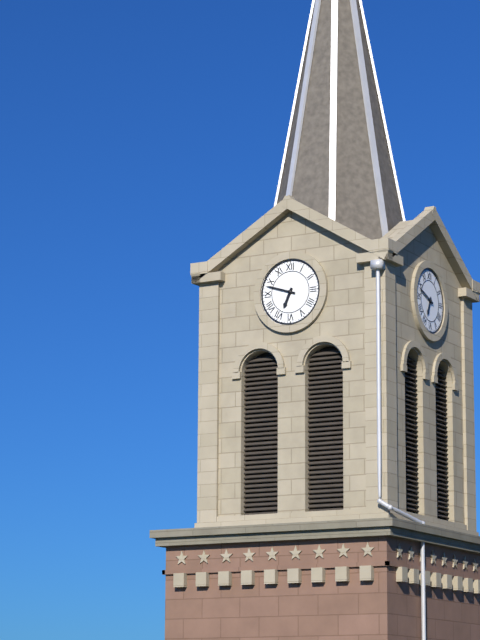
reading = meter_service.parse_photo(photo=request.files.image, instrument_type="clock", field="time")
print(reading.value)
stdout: 6:48
